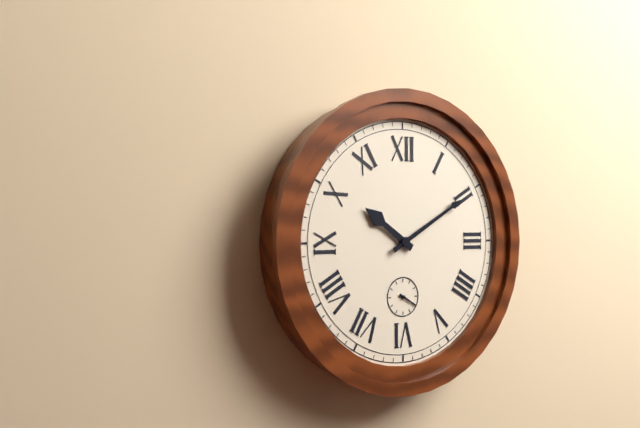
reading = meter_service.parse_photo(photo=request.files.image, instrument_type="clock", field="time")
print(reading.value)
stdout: 10:10
